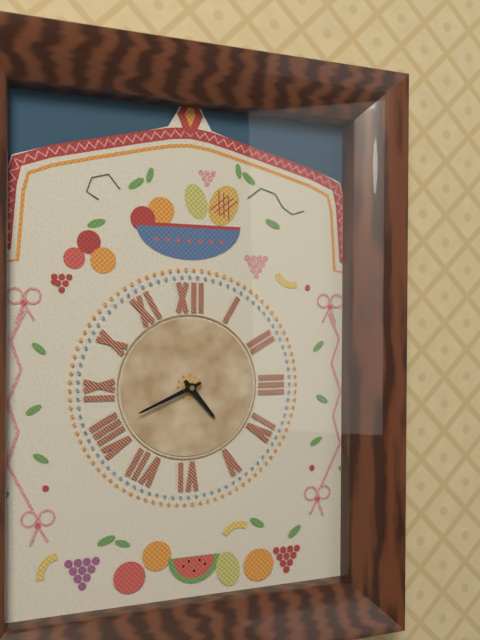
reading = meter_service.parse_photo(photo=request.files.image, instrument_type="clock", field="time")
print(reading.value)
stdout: 4:41
